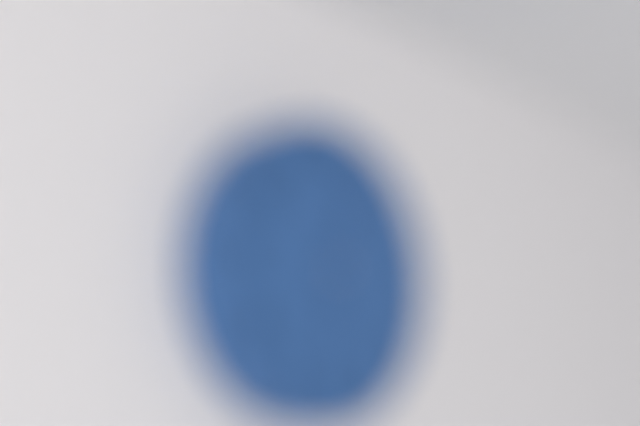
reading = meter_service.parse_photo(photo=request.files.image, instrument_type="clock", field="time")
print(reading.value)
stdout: 6:03
